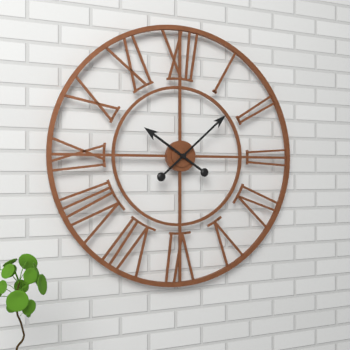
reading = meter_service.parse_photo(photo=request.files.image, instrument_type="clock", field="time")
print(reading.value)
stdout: 10:08
